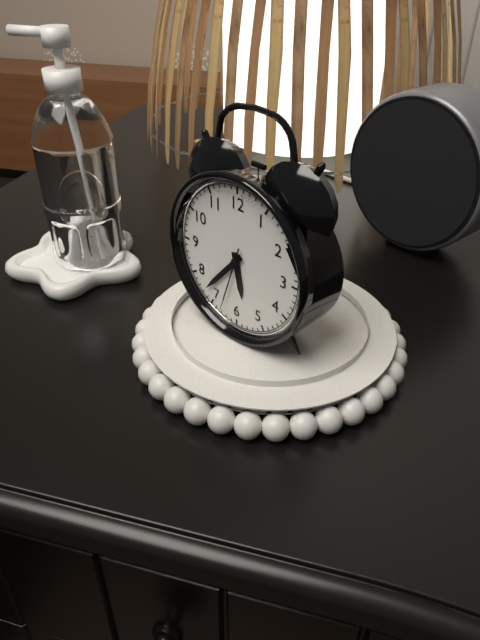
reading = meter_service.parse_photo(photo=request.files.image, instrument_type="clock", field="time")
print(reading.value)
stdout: 5:37:33
